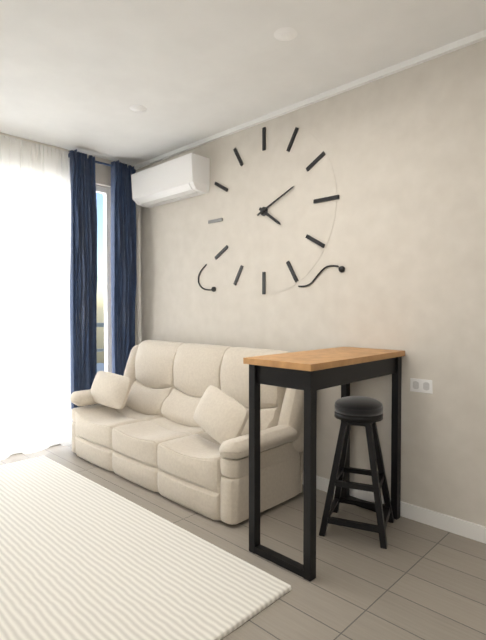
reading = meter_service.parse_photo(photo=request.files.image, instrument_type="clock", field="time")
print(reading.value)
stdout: 4:11
